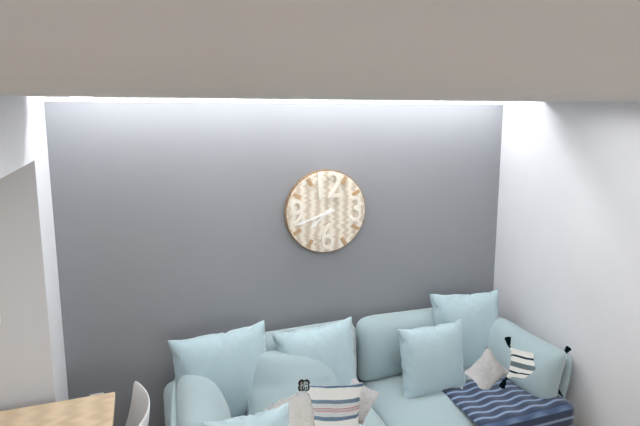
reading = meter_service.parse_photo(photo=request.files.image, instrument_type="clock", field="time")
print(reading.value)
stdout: 7:42
